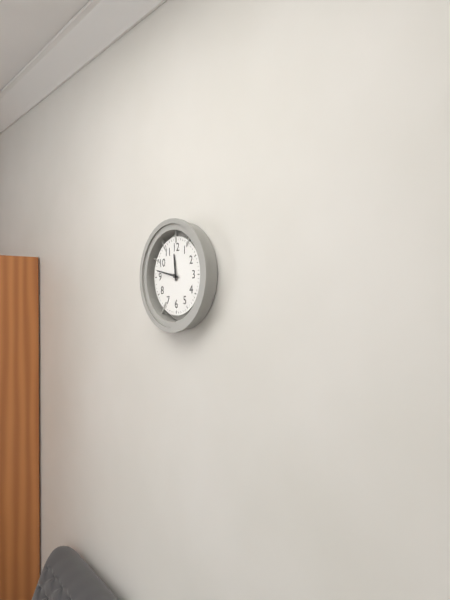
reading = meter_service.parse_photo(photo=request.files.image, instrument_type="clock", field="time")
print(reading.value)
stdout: 11:47
